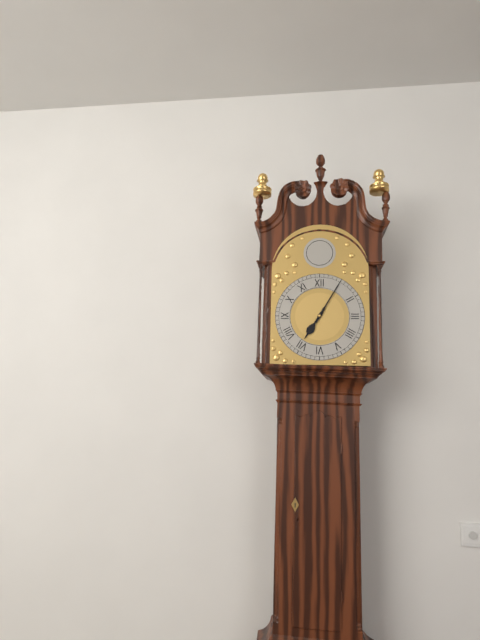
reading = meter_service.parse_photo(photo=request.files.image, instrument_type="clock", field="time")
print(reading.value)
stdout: 7:05
